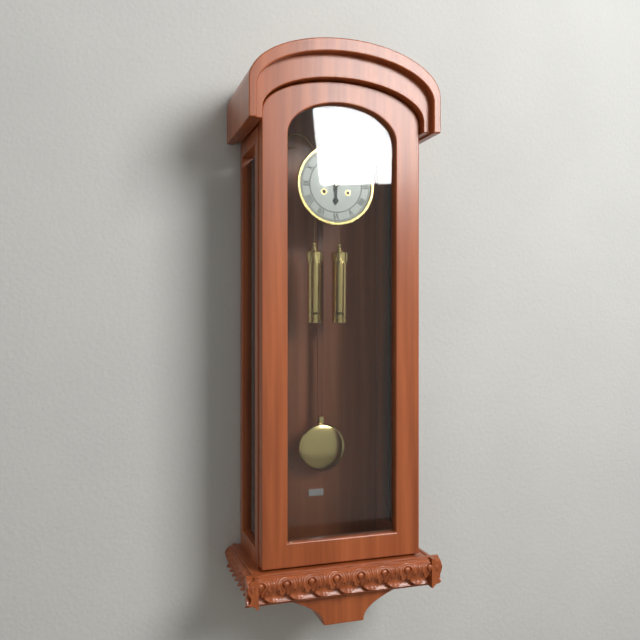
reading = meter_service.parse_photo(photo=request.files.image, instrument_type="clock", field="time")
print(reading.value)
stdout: 6:03
